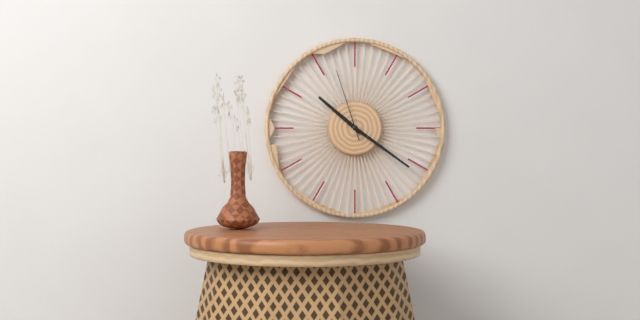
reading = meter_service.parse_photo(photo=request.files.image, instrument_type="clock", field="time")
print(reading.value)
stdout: 10:21:57
